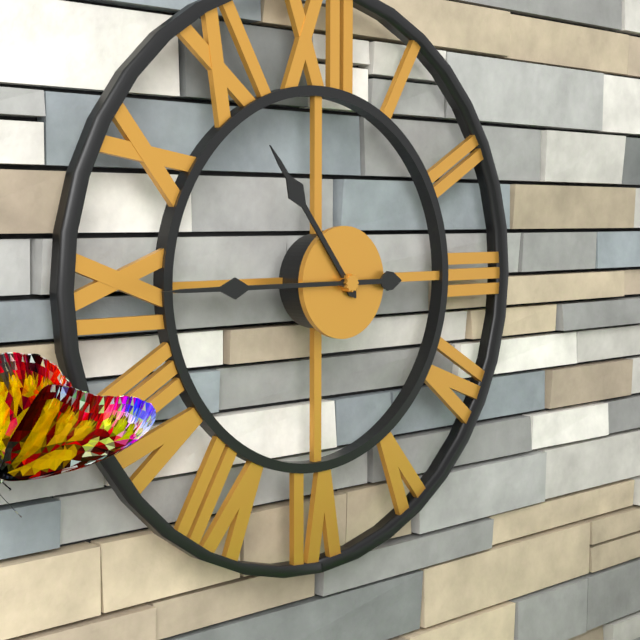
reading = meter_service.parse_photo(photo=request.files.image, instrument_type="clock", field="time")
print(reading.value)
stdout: 10:45
